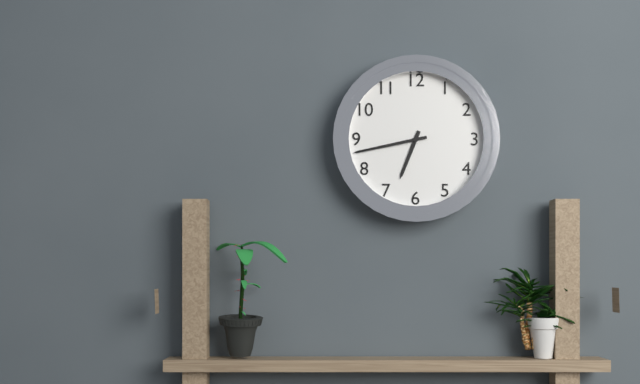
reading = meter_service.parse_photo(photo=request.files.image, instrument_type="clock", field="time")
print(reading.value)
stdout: 6:43
